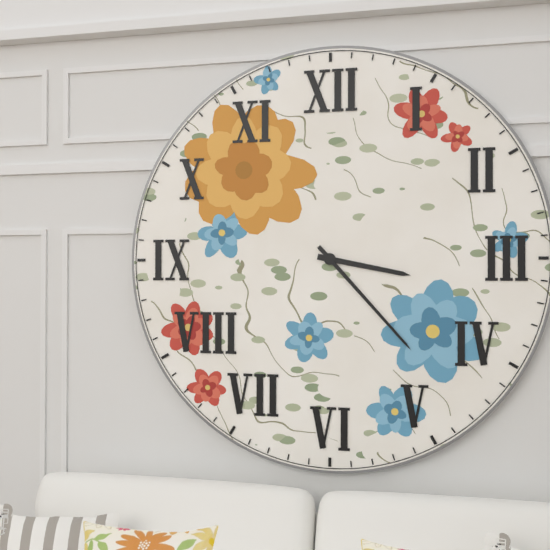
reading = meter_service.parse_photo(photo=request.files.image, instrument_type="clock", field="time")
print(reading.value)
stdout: 3:23
